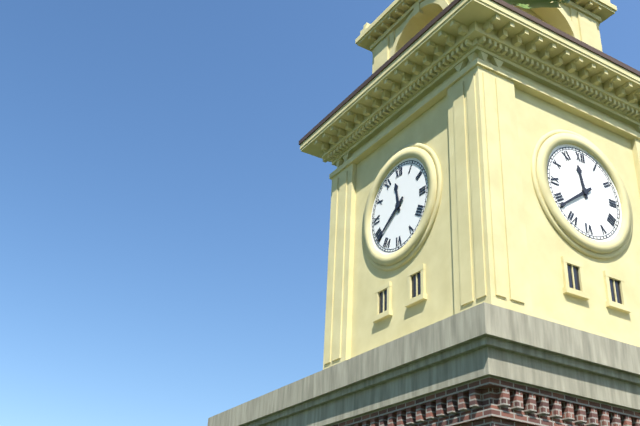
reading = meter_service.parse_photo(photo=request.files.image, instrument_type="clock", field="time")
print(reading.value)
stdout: 11:39
